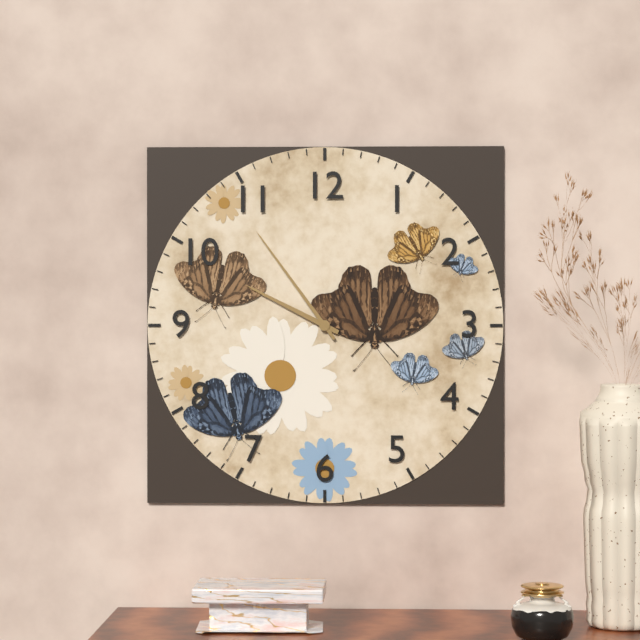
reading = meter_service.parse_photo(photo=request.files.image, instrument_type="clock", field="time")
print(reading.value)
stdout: 9:54
